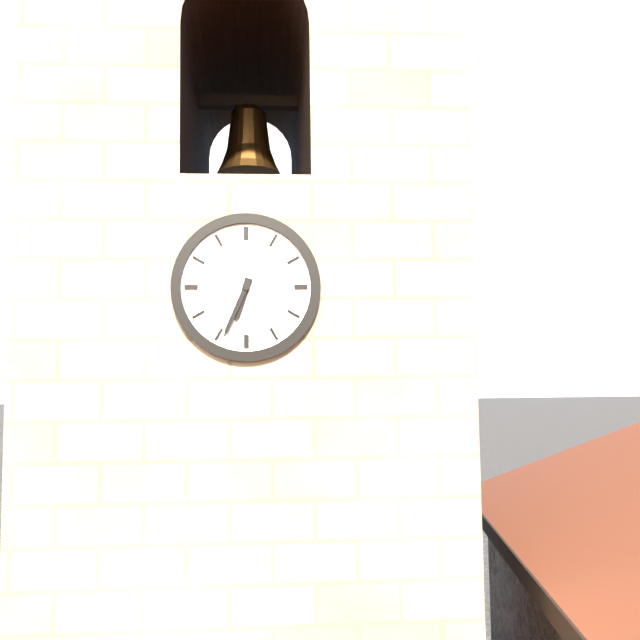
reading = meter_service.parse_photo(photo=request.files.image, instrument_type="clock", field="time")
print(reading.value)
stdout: 6:34
